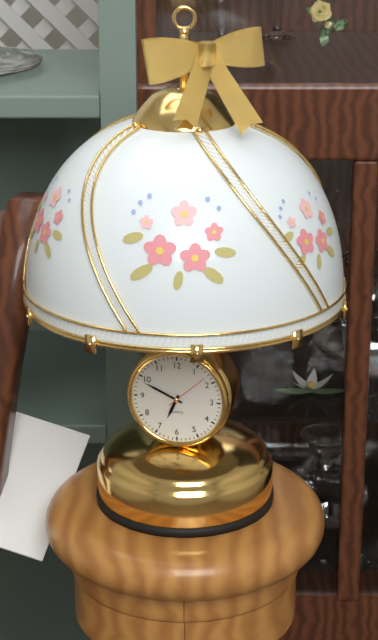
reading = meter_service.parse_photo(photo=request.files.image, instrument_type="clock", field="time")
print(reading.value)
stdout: 6:49
